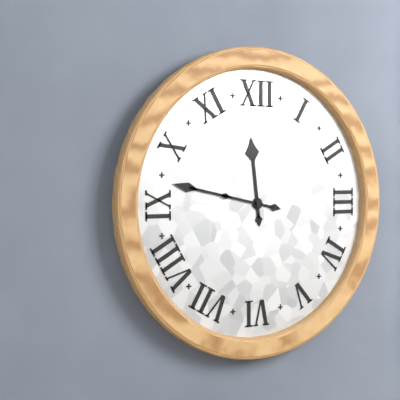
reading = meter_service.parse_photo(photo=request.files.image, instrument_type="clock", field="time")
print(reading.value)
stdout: 11:47
